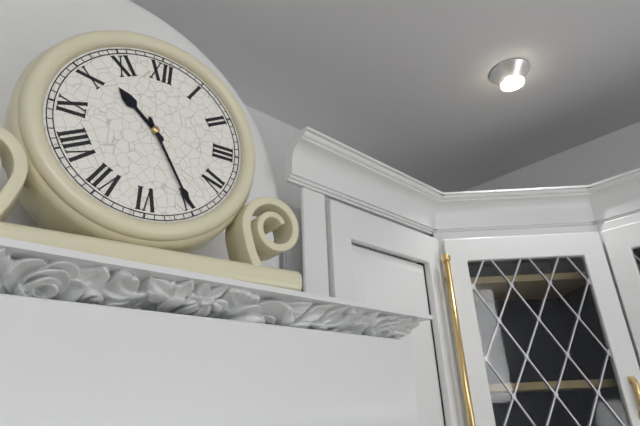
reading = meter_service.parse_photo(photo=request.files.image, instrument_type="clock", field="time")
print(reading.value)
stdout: 10:25
